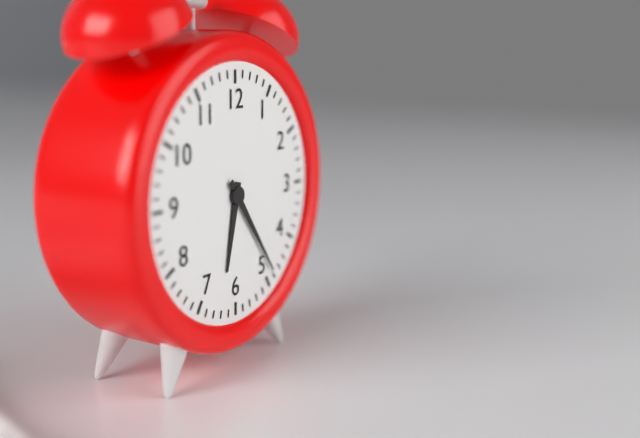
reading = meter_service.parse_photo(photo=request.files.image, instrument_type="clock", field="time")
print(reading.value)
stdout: 6:24
